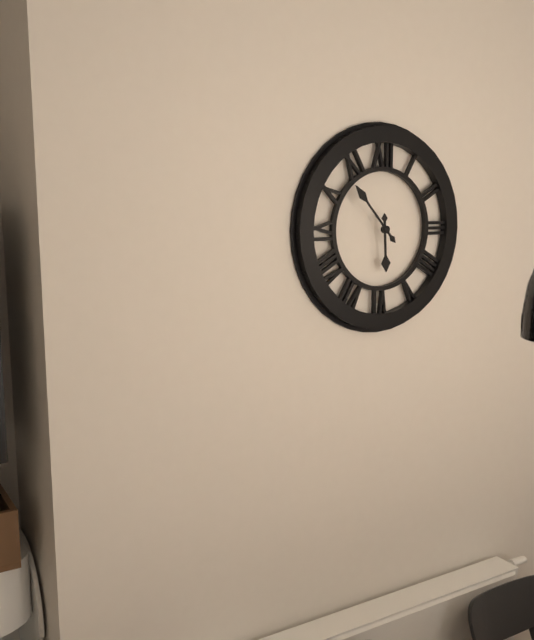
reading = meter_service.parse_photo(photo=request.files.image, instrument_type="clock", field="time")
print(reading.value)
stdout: 5:53
